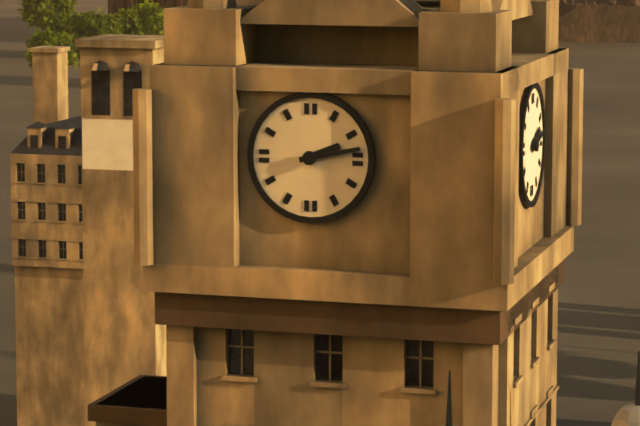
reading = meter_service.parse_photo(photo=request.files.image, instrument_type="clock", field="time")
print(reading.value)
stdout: 2:13
